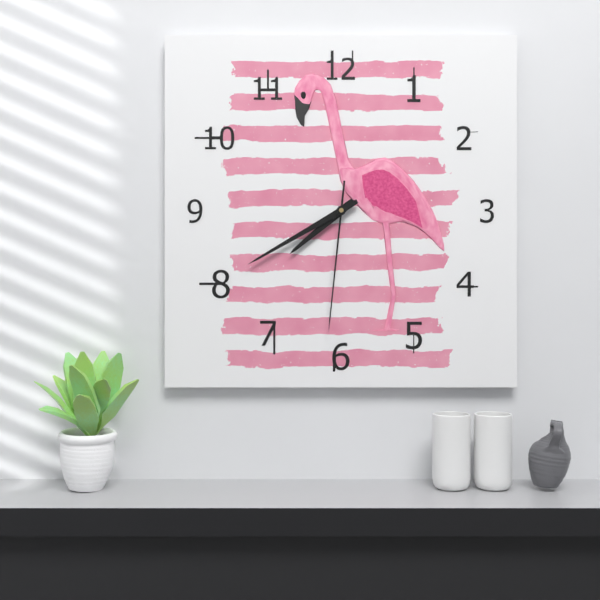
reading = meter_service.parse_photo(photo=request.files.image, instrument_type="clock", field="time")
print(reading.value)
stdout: 7:40:31
